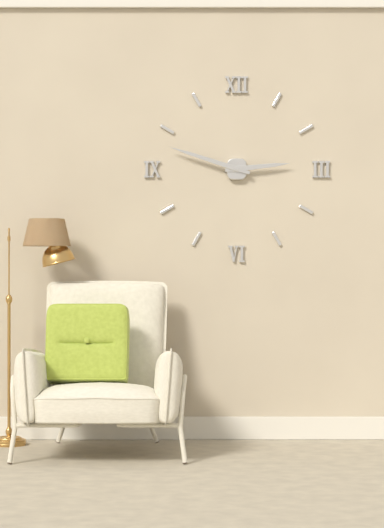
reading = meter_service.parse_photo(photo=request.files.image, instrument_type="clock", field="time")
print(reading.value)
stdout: 2:48
